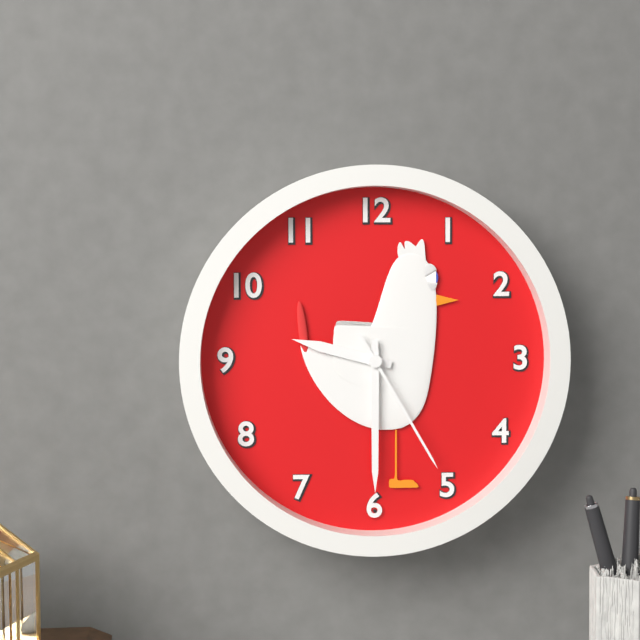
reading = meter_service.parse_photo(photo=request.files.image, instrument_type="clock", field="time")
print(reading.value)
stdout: 9:30:25
